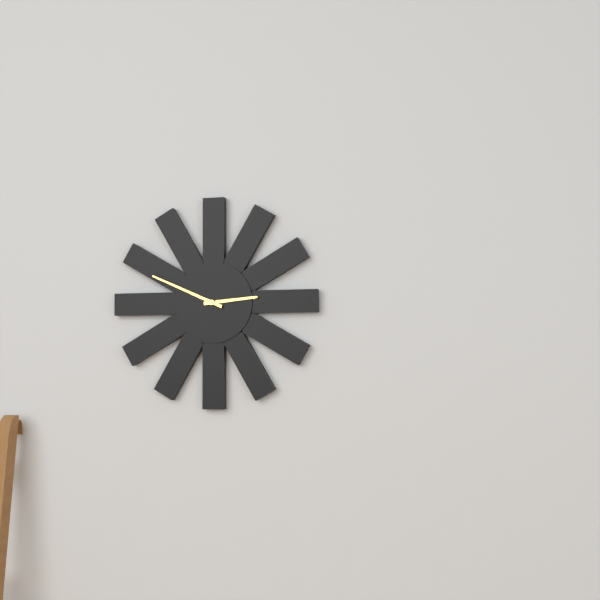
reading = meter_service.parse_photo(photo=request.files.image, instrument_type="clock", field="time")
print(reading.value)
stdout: 2:49
